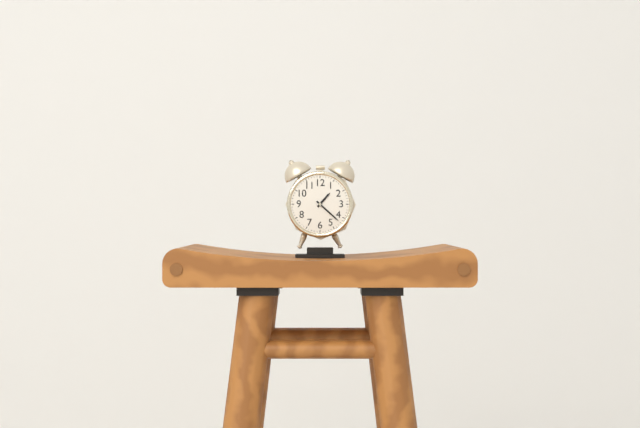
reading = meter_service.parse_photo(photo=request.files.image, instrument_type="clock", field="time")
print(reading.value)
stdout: 1:22
